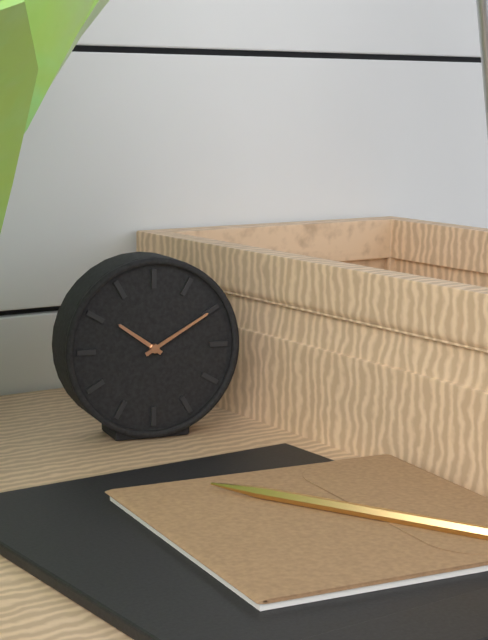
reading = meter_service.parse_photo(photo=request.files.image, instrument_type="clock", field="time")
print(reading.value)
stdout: 10:10
